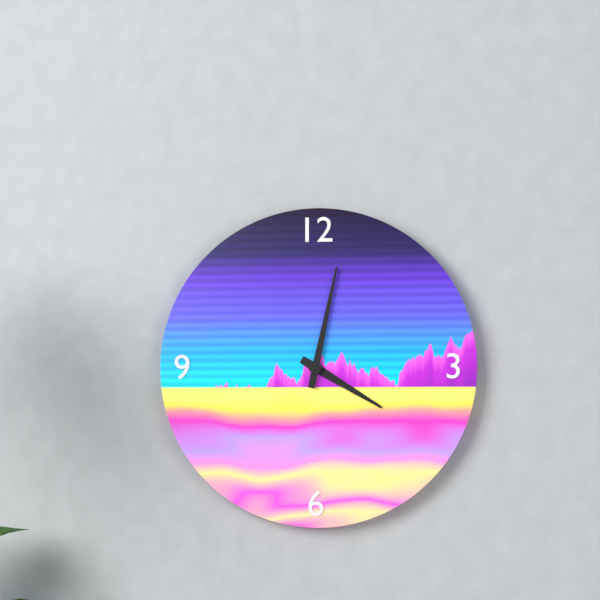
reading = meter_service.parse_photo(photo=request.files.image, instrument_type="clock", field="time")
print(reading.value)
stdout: 4:02
